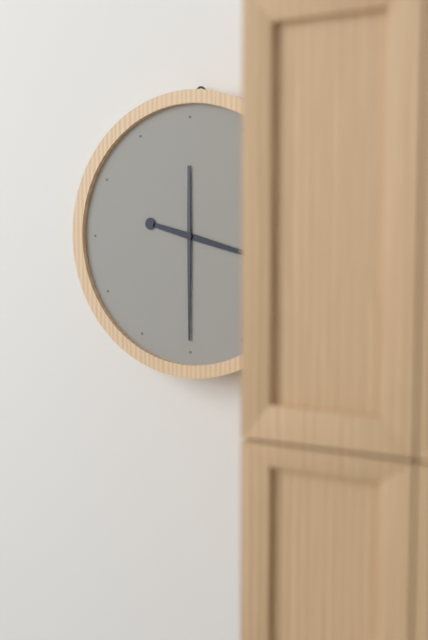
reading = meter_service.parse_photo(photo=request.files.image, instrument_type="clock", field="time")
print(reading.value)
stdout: 3:30
